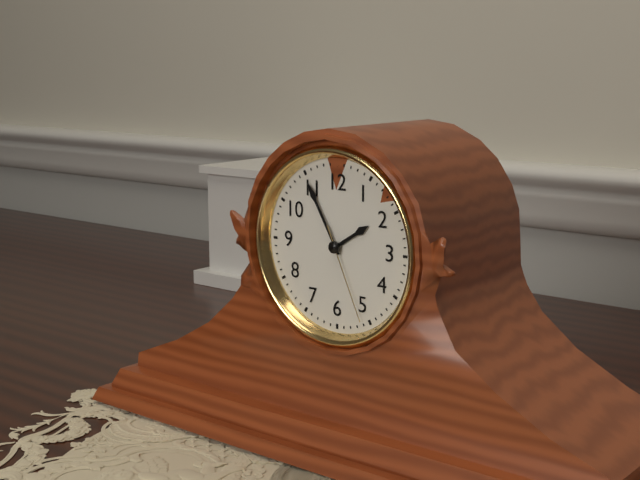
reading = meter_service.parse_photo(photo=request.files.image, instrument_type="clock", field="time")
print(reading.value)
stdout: 1:55:26
